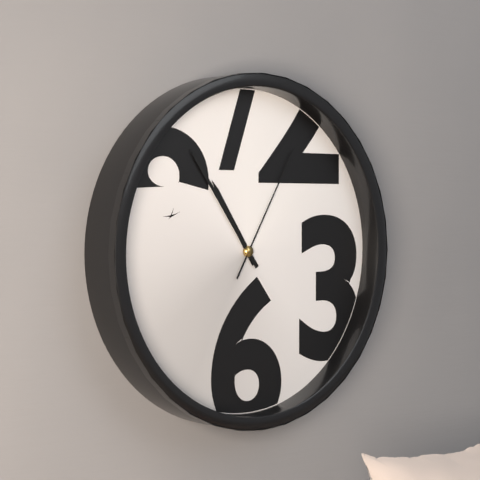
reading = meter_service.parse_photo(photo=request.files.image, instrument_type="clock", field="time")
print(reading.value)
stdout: 10:54:05
